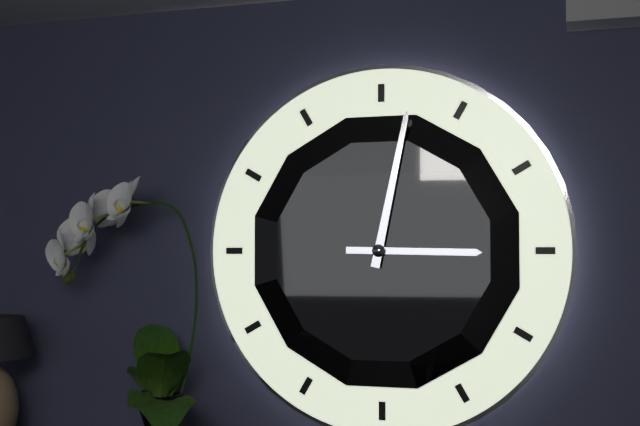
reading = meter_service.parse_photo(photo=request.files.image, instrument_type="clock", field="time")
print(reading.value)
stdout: 3:02
